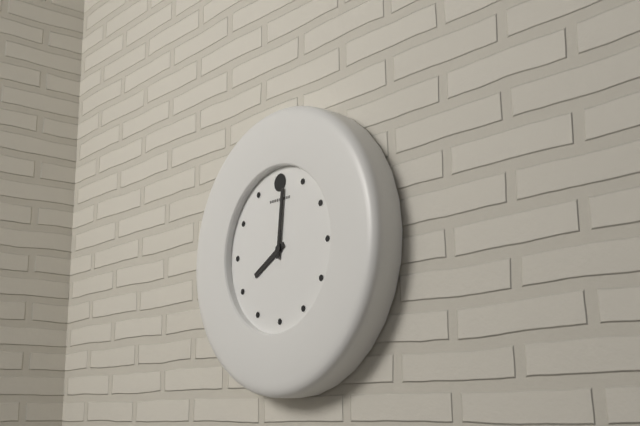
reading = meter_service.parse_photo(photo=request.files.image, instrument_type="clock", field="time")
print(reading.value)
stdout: 8:01
